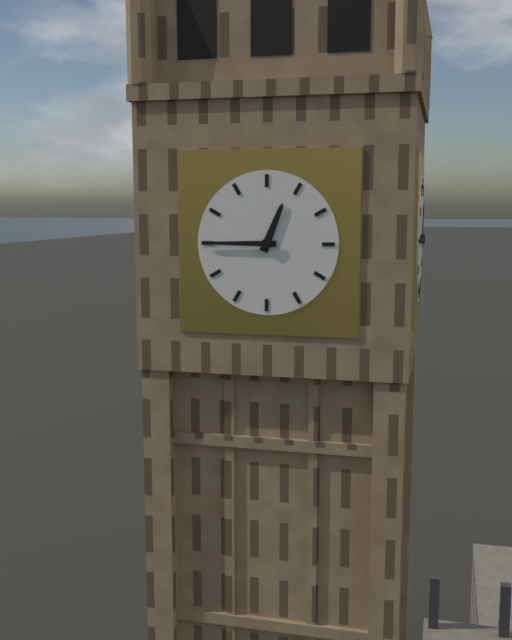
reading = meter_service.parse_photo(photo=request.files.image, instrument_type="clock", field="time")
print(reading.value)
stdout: 12:45
